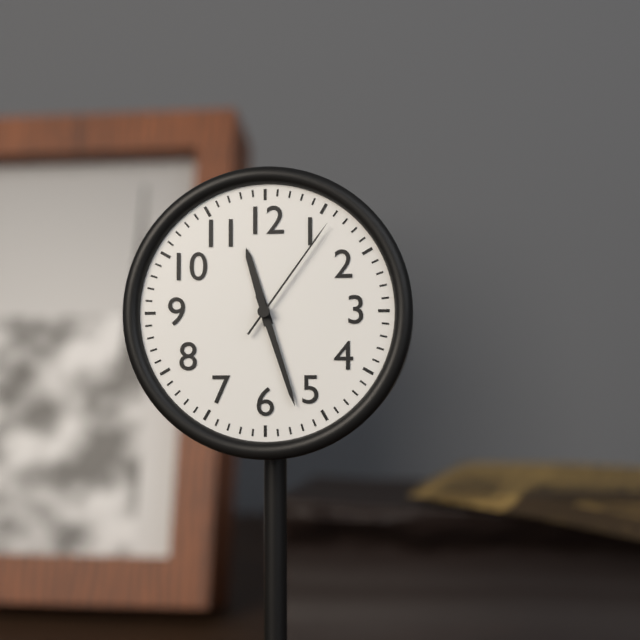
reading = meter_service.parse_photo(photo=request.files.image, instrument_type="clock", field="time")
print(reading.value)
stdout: 11:27:06
